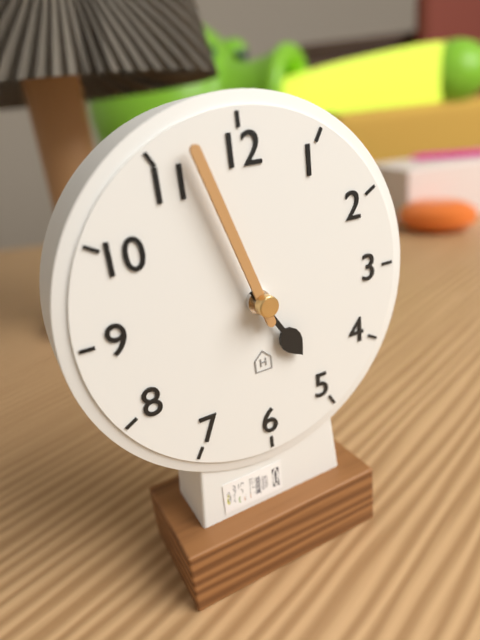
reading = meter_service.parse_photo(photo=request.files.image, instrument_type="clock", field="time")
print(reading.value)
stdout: 4:57
